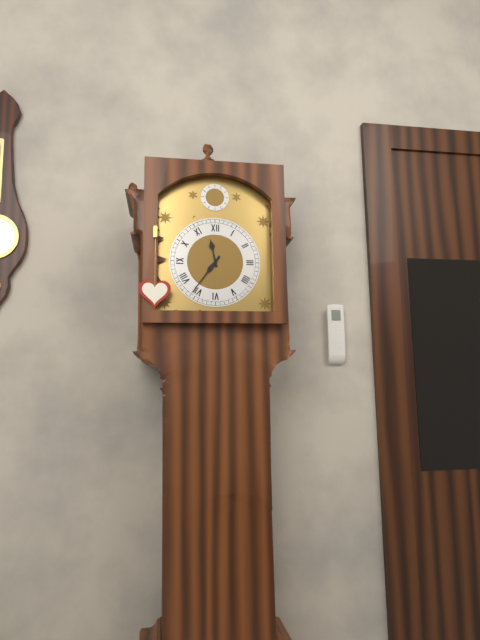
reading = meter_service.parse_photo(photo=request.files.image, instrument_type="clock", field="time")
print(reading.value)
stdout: 11:36
